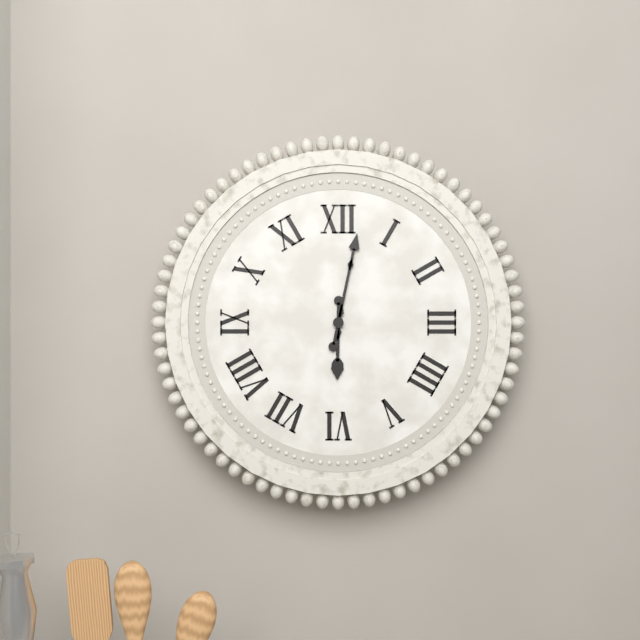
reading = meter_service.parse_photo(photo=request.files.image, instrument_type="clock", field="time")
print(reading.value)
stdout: 6:02
